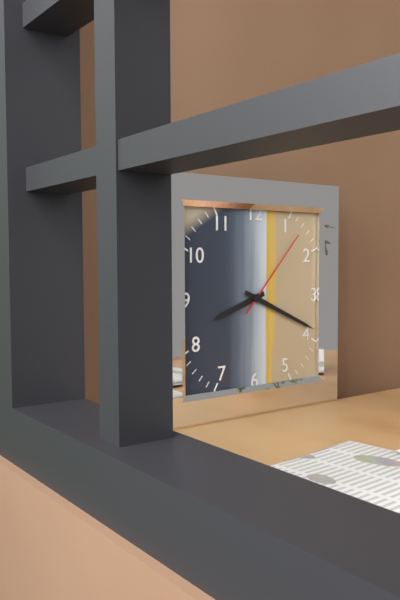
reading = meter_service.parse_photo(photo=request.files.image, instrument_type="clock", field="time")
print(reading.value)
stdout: 8:19:07
